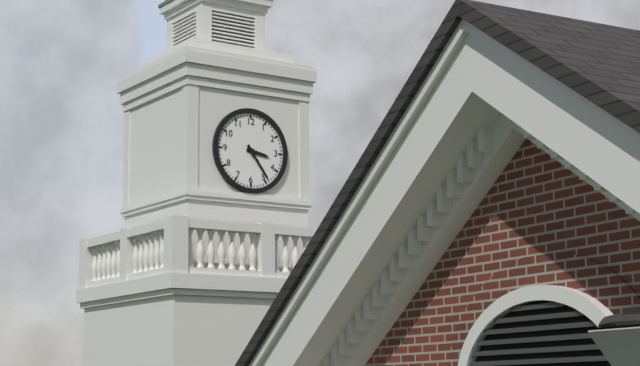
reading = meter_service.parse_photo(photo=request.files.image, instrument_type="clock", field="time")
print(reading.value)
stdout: 3:24
